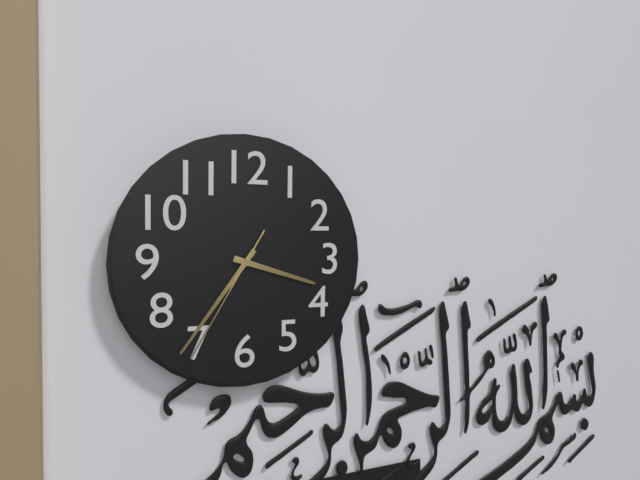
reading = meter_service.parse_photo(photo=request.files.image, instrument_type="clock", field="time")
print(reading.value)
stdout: 3:36:35
